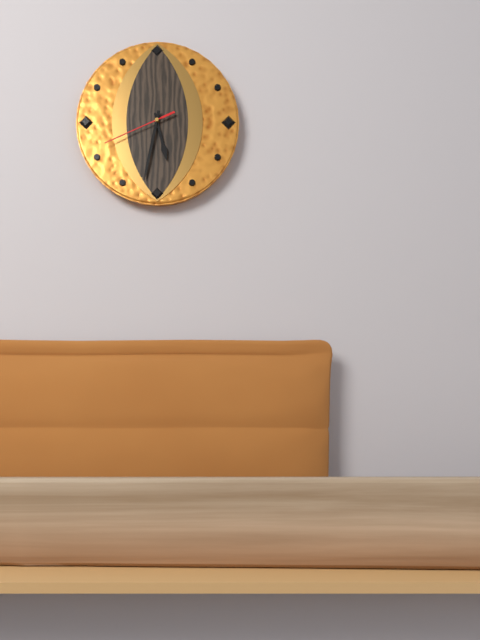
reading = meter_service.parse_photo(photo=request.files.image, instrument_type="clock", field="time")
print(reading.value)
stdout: 5:32:41
